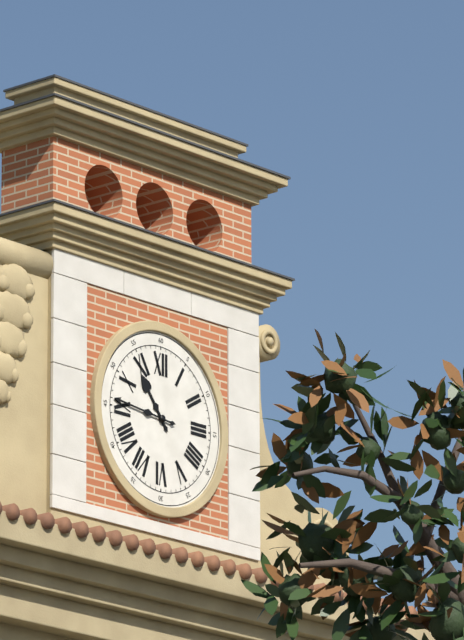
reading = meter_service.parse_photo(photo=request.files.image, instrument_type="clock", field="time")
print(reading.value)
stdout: 10:46
